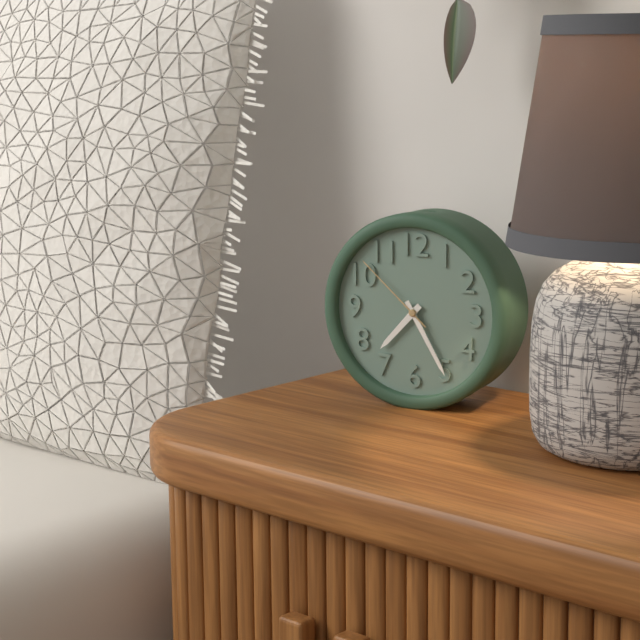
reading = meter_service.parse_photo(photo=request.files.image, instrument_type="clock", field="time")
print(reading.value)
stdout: 7:25:52
